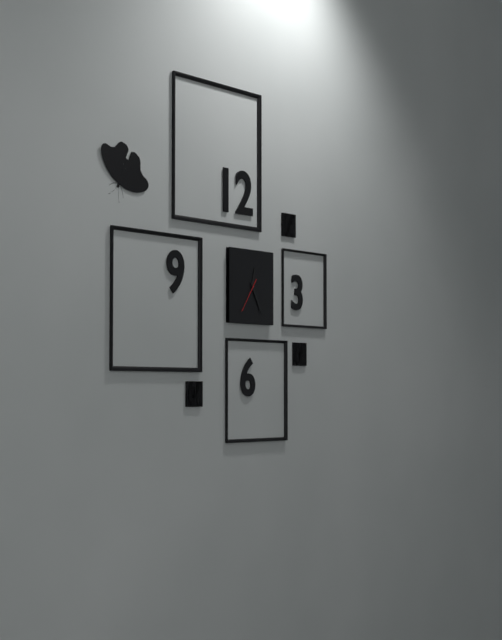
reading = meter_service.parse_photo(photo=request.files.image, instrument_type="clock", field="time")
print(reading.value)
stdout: 12:25
